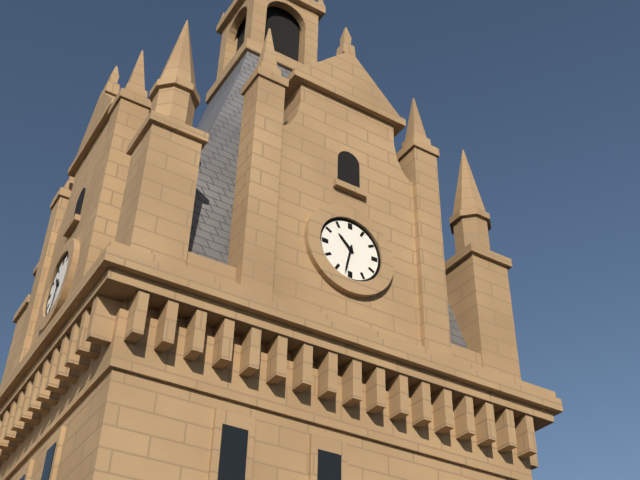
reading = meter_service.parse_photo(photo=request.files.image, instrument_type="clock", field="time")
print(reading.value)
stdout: 10:32
